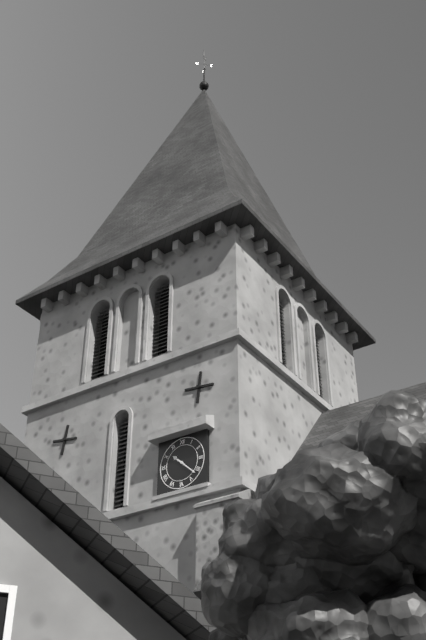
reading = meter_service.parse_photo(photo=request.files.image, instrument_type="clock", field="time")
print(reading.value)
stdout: 10:22
